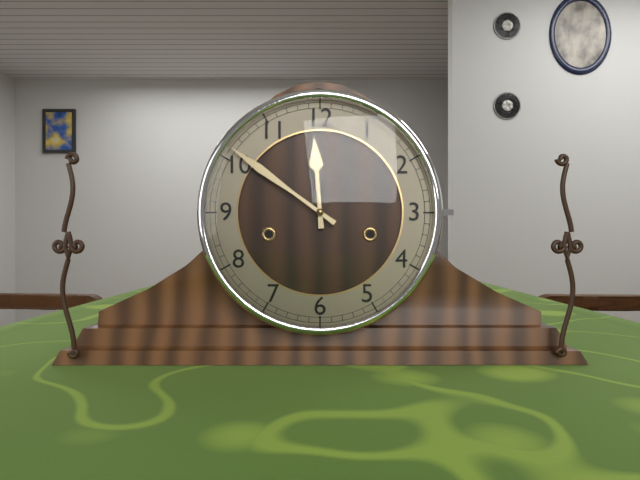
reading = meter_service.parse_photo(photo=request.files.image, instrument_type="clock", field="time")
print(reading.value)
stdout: 11:51
